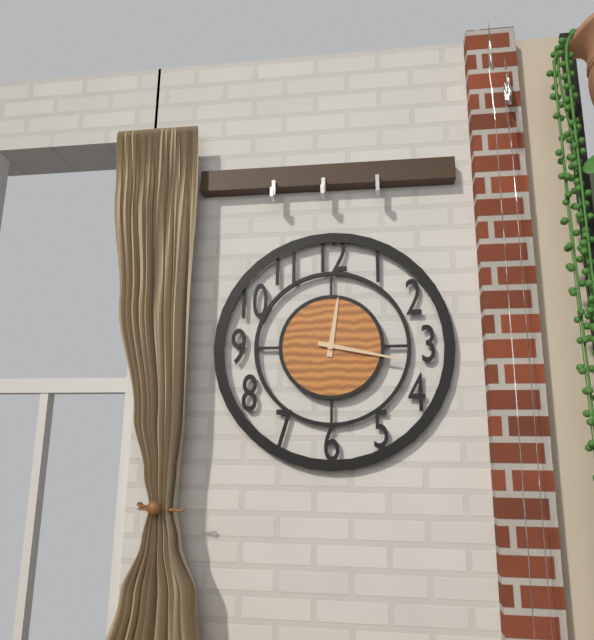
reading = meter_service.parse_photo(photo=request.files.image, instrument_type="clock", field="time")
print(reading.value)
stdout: 12:17
